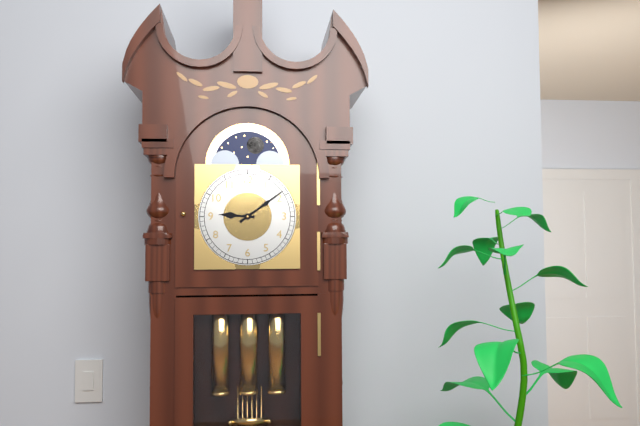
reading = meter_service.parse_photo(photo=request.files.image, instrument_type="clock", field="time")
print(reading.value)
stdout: 9:09
